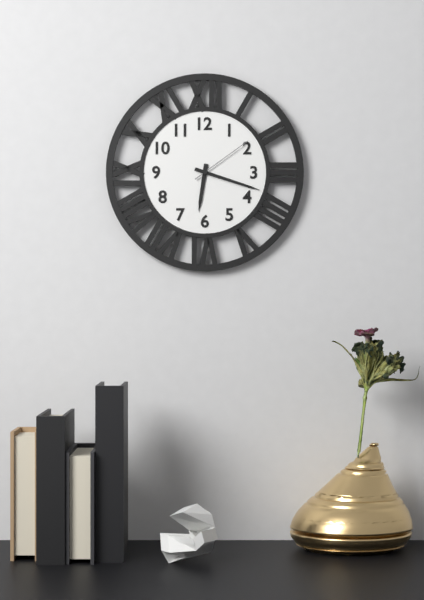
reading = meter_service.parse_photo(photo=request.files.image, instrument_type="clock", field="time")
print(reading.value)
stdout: 6:18:09
